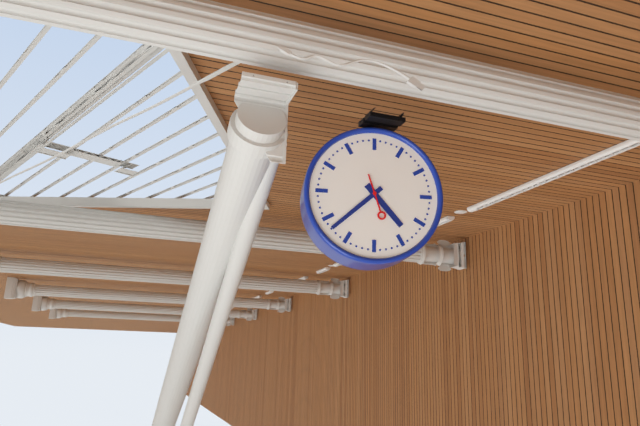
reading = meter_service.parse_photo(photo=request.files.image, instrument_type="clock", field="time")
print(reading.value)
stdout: 4:38
